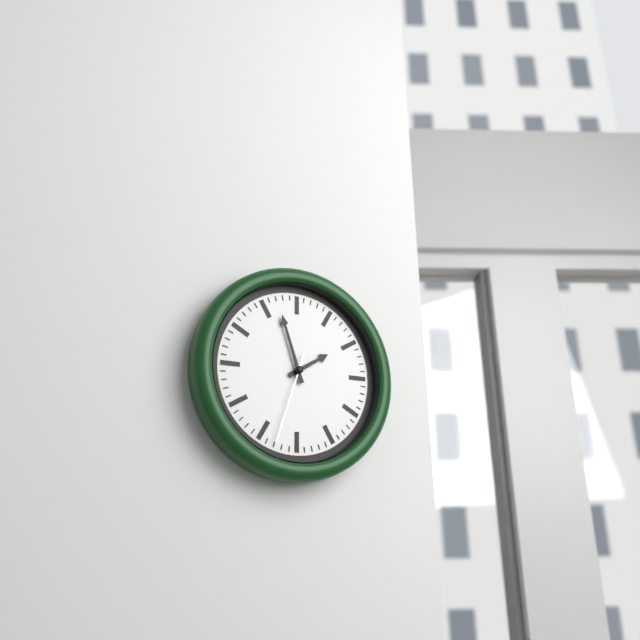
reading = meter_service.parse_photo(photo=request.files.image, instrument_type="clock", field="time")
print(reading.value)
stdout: 1:57:33
